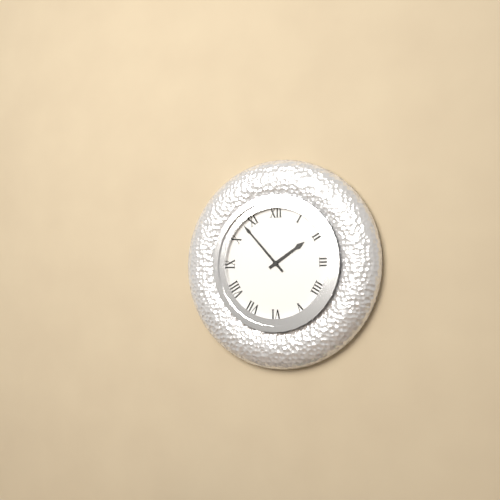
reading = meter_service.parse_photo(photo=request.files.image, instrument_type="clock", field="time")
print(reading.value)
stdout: 1:53
